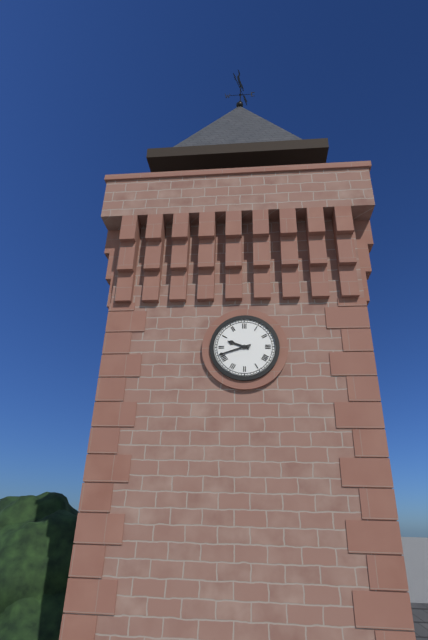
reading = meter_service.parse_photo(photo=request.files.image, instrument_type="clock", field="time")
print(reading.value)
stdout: 9:42
